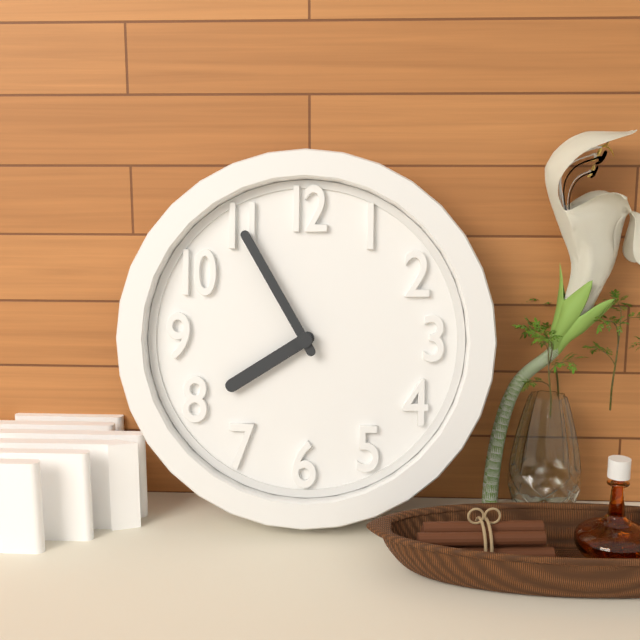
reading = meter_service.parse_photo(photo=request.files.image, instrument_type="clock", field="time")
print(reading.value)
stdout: 7:55
